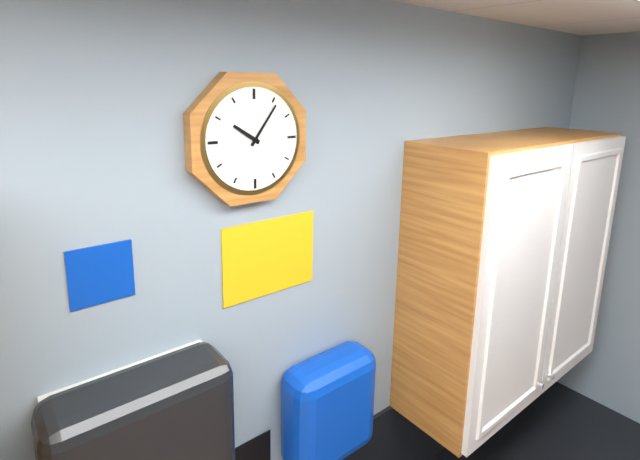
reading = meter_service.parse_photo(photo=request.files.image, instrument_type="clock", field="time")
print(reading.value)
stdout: 10:06
